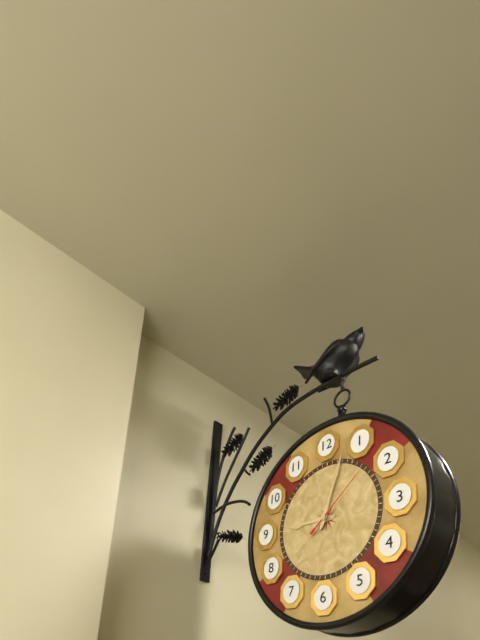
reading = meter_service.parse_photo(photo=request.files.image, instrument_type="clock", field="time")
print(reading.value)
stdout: 9:03:08
